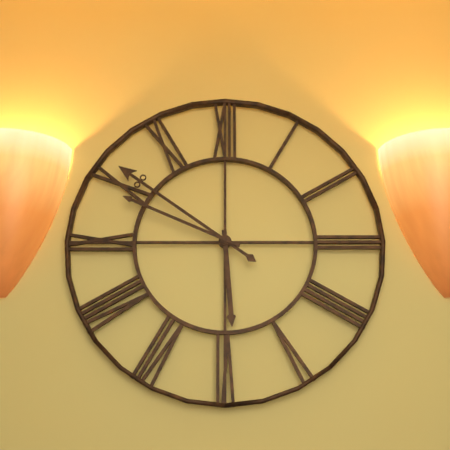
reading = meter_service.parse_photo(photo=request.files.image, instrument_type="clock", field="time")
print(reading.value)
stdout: 5:51:49
